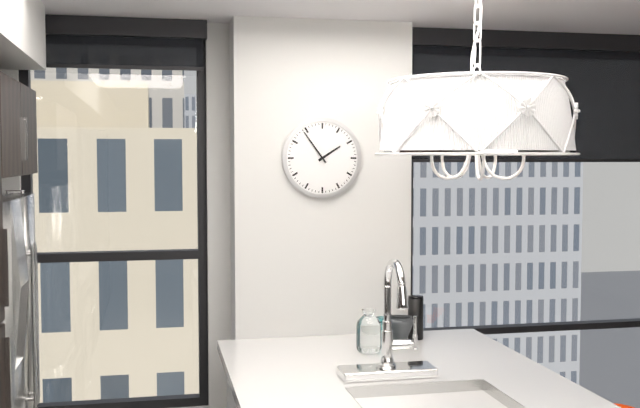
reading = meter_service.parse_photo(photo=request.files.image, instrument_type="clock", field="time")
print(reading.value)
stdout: 1:54
